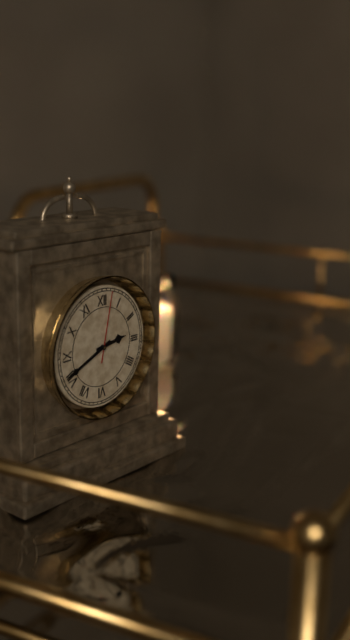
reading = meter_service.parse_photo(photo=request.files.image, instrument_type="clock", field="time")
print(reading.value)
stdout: 2:41:02
